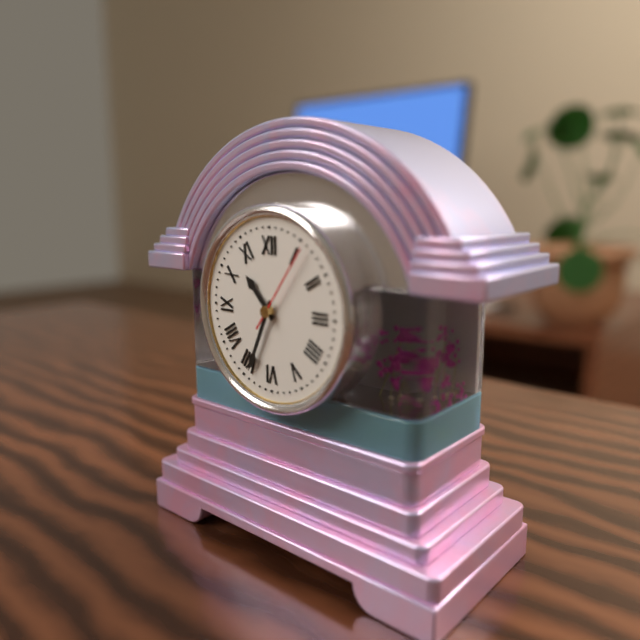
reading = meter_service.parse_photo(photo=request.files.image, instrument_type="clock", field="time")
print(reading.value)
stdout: 10:34:06
